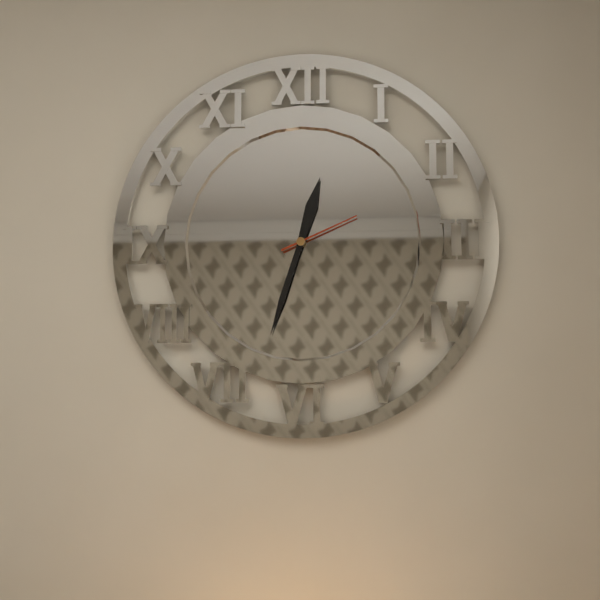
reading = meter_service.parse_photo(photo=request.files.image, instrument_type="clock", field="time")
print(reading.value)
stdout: 12:33:11
